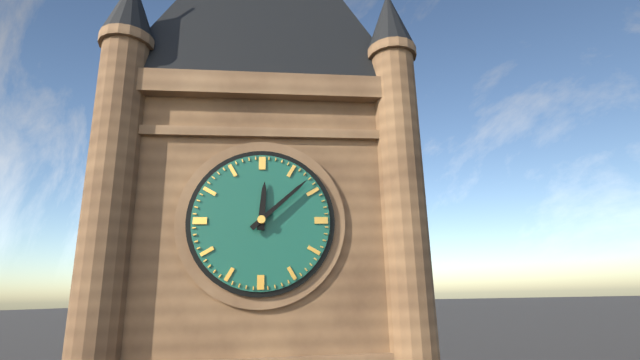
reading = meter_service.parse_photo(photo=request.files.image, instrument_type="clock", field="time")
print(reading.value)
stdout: 12:08
